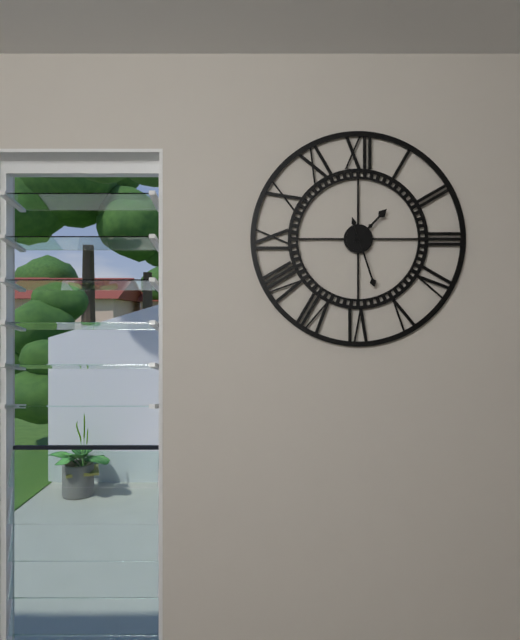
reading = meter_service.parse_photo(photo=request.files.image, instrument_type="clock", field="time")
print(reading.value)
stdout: 1:27
